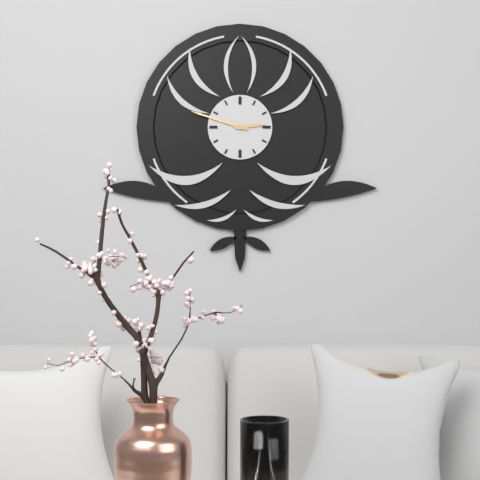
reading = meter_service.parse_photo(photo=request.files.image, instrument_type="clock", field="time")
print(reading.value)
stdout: 2:48
